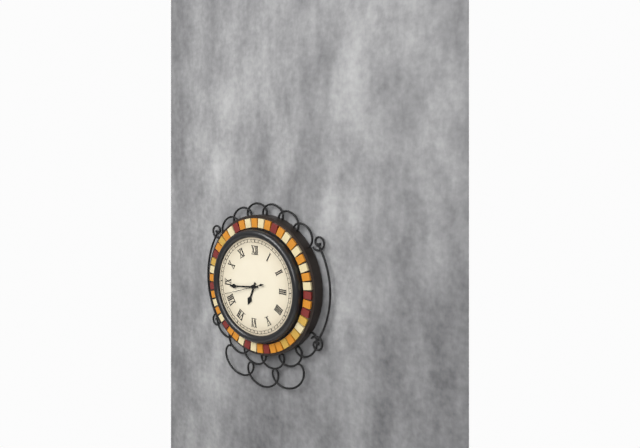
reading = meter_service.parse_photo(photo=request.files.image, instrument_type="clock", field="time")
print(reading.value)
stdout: 6:44:42
